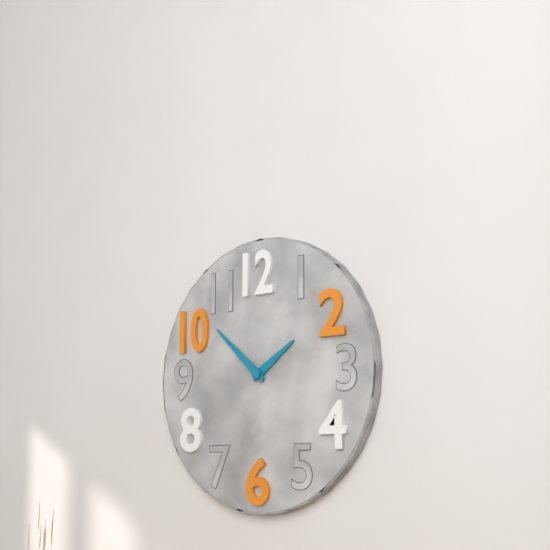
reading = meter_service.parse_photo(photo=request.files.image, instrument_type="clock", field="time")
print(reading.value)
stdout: 1:52
